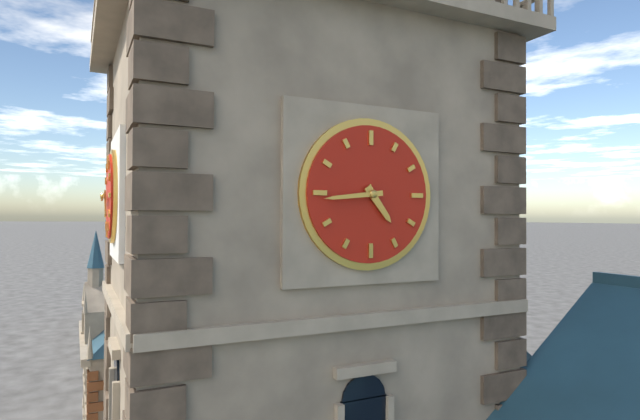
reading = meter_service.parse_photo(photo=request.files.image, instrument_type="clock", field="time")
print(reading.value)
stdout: 4:44
